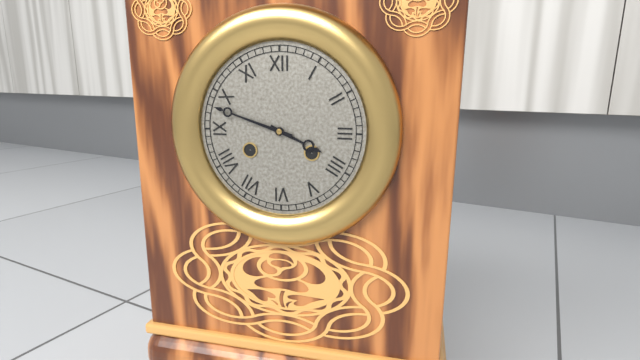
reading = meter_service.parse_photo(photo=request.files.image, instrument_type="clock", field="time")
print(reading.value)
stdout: 3:48
